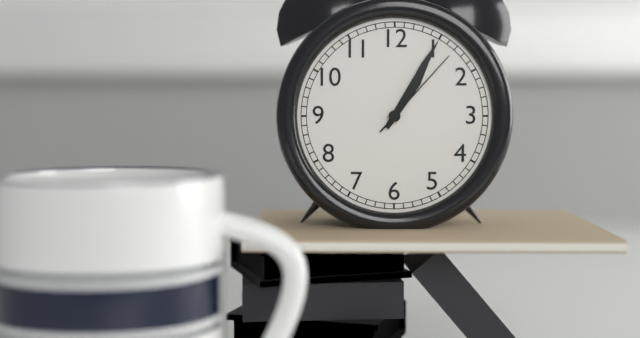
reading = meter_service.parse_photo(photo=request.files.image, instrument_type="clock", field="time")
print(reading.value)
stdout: 1:05:07
